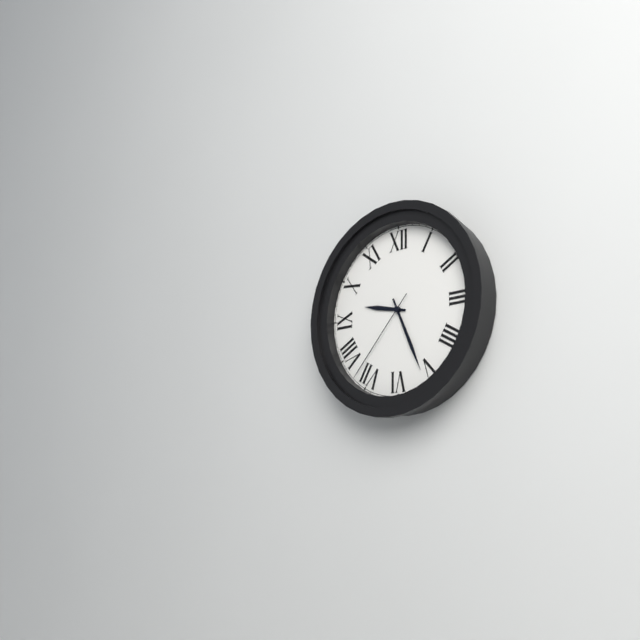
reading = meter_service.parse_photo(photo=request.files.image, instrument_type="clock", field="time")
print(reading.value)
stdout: 9:26:37
